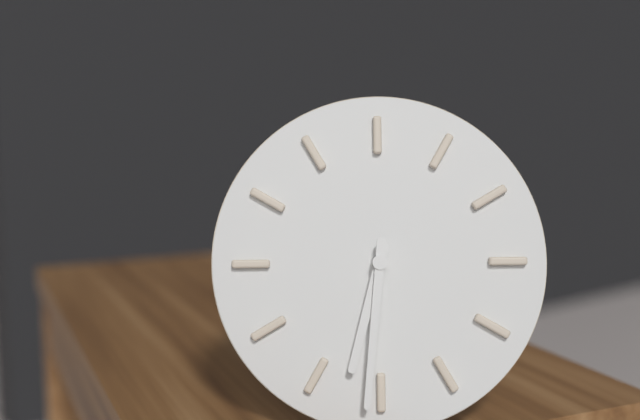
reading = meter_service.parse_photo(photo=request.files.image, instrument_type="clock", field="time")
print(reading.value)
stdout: 6:31
